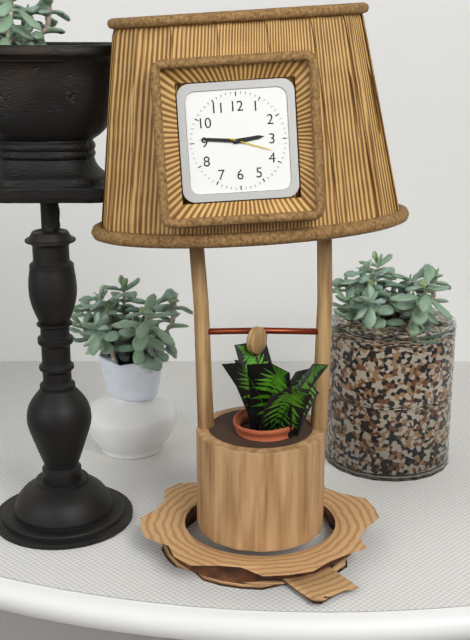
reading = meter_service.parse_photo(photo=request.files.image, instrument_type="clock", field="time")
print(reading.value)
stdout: 2:46
